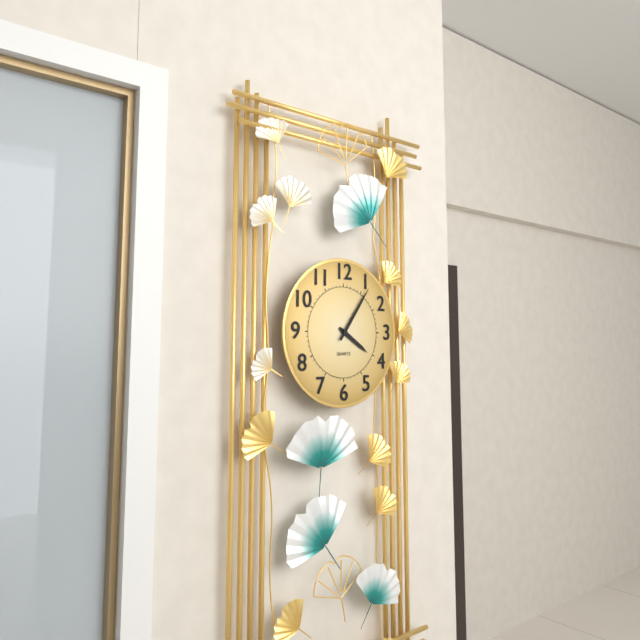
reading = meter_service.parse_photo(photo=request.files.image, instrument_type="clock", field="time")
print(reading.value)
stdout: 4:06
